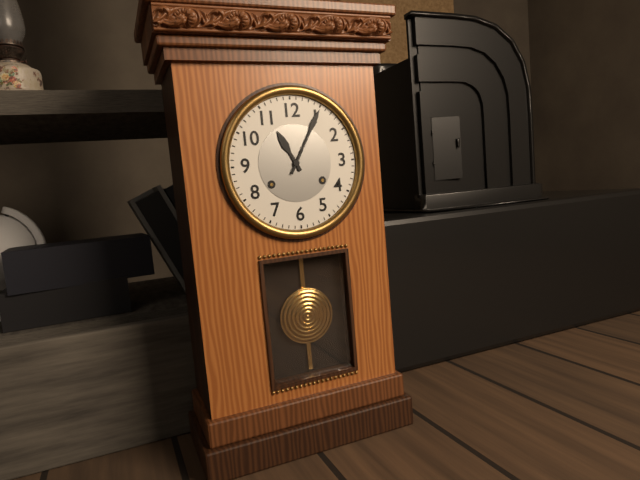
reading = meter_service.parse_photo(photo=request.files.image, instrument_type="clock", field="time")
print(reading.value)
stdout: 11:05
